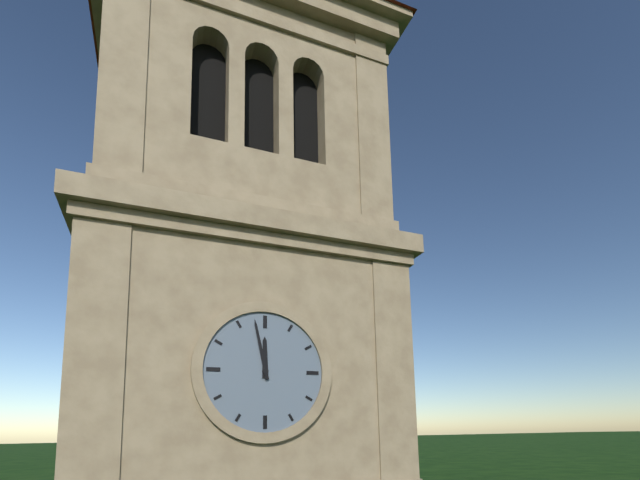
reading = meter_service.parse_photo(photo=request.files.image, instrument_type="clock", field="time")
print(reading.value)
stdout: 11:58
